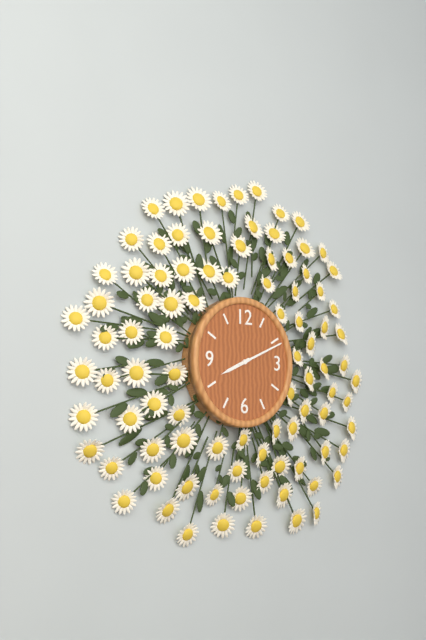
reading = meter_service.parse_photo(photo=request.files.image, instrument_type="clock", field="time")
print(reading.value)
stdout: 8:11
